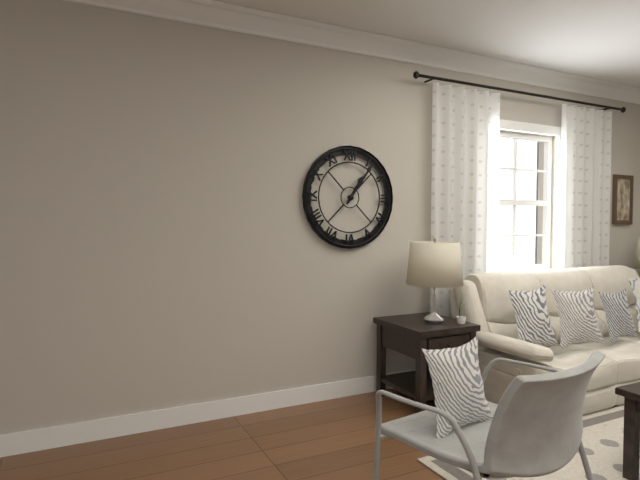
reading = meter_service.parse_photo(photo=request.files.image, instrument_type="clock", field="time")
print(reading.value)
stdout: 1:06
